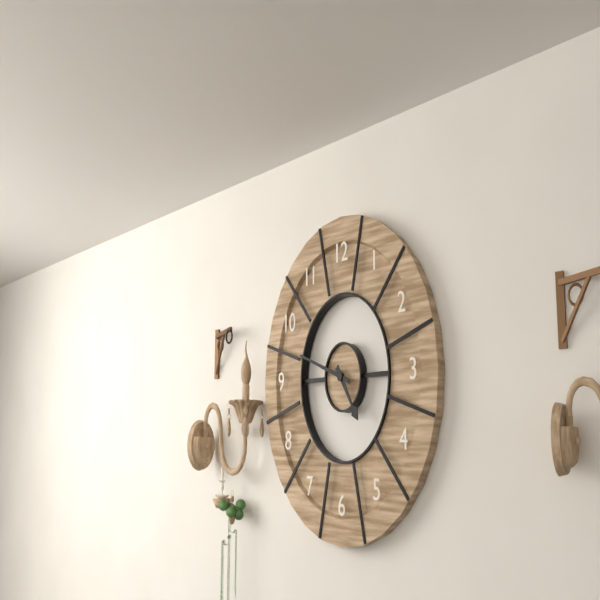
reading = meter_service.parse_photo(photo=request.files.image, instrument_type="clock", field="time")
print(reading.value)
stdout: 4:48
